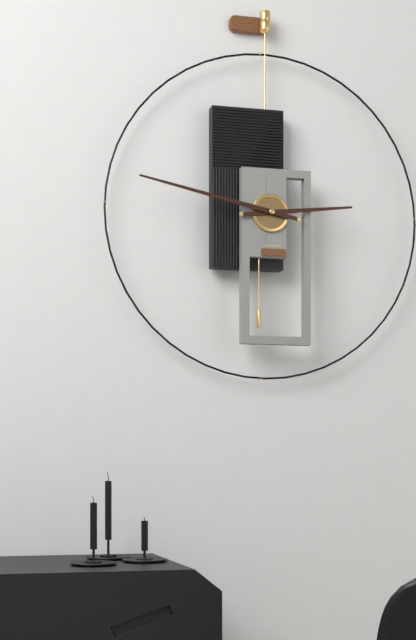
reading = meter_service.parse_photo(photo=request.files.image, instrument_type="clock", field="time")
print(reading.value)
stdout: 2:47
